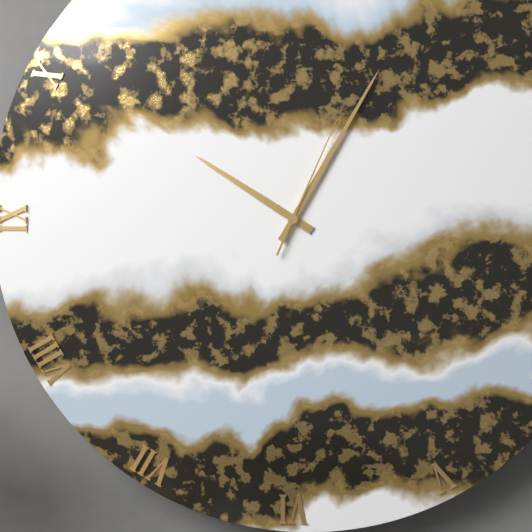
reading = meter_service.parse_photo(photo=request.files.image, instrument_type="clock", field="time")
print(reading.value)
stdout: 10:05:04
